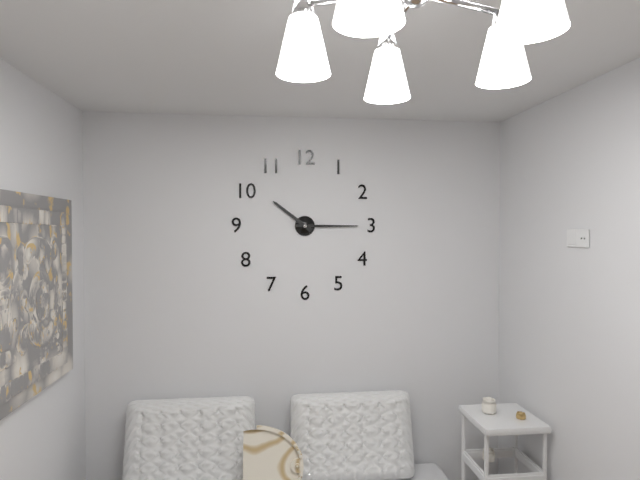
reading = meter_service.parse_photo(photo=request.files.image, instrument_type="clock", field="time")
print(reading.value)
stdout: 10:15
